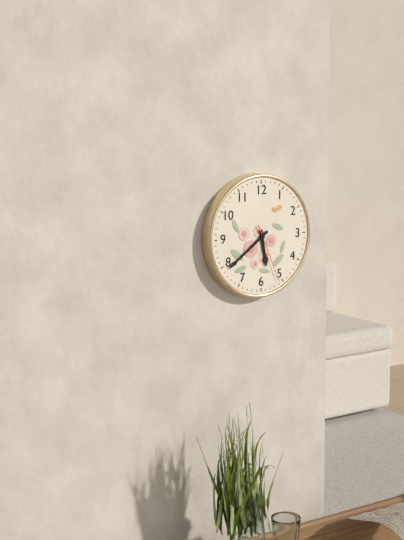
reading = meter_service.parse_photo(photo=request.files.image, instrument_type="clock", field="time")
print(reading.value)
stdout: 5:39:26
